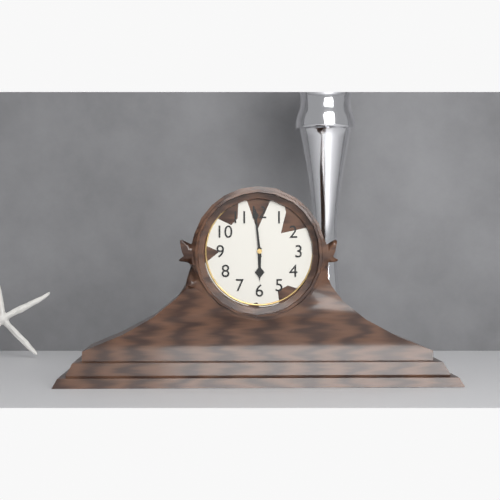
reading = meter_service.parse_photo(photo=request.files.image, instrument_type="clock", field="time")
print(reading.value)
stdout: 5:59
